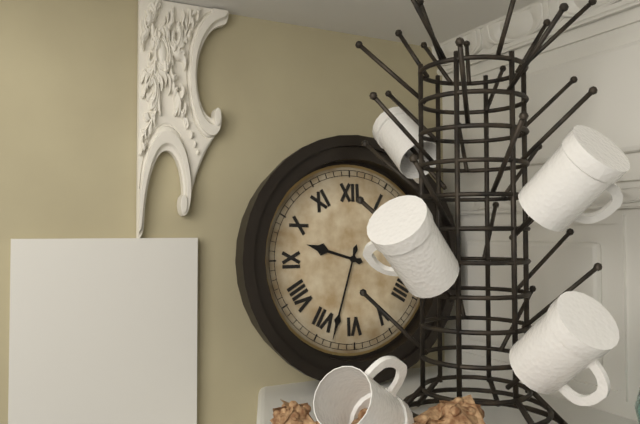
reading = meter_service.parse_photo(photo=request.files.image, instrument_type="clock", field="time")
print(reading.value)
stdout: 9:33
